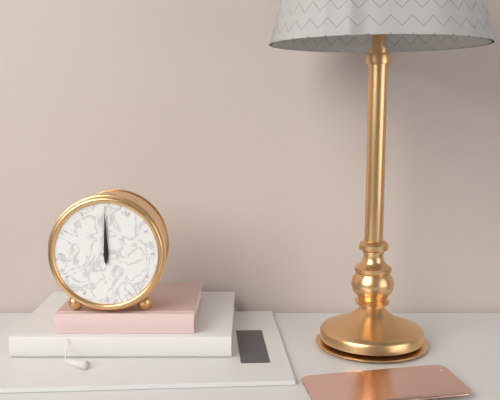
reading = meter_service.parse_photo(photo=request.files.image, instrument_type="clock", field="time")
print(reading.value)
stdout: 12:00
